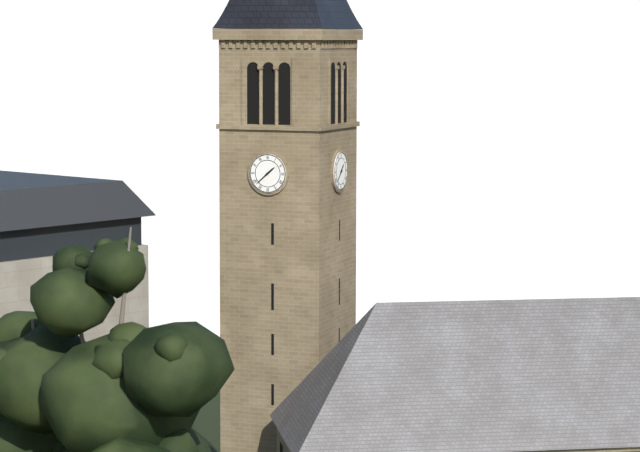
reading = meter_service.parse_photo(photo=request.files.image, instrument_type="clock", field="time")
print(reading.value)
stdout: 1:38
